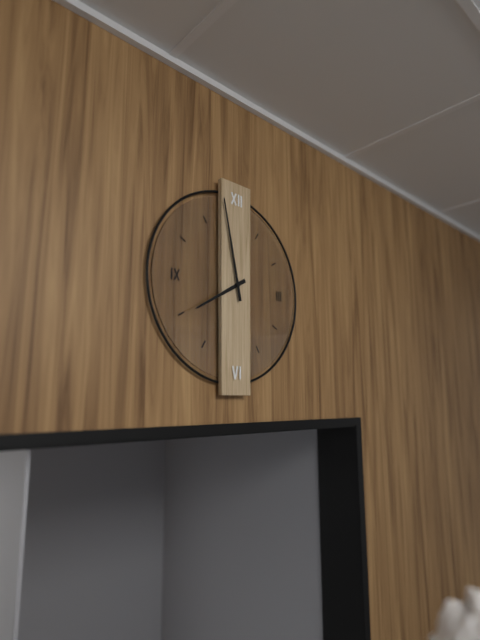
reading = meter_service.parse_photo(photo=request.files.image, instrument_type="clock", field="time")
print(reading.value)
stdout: 7:58
